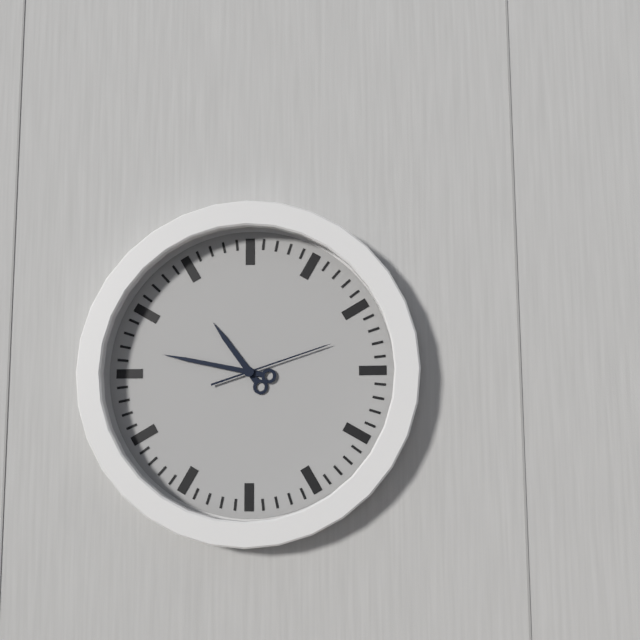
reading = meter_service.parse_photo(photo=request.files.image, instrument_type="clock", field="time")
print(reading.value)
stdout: 10:47:12
